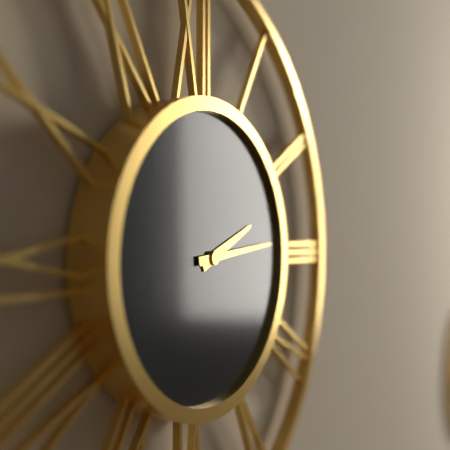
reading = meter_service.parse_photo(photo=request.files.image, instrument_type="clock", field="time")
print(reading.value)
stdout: 2:14
